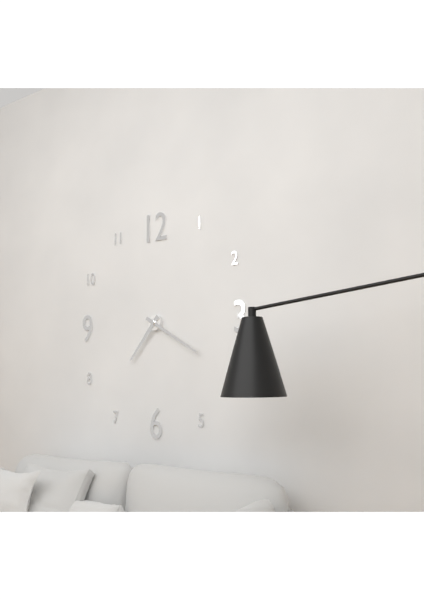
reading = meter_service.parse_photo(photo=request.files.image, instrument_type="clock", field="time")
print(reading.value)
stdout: 7:20
